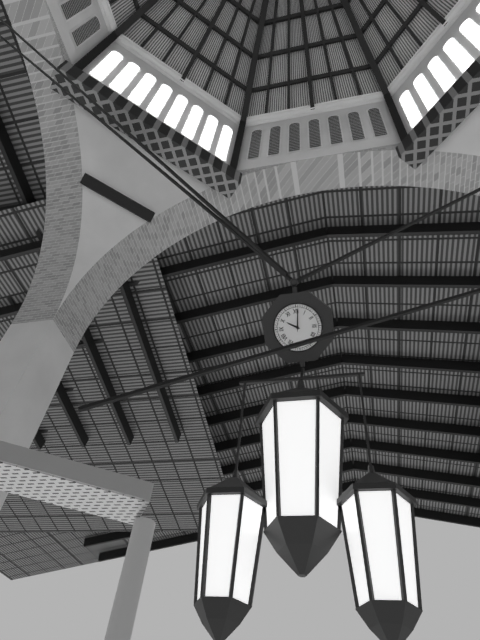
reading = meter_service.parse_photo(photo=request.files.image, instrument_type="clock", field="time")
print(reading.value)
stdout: 10:01
